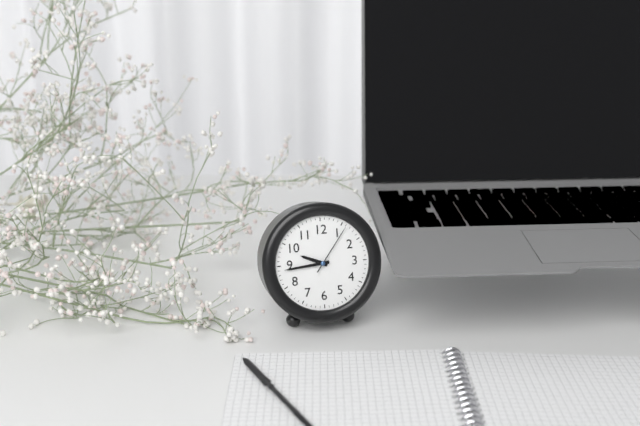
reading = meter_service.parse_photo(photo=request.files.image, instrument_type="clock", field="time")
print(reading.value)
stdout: 9:44:06
